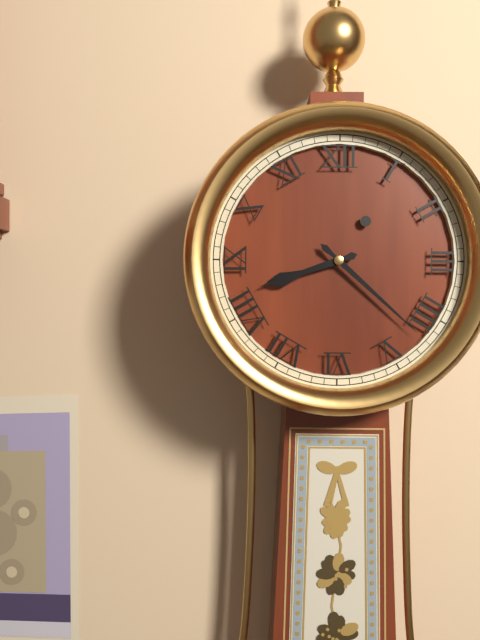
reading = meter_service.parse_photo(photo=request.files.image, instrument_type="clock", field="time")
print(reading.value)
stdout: 8:22
